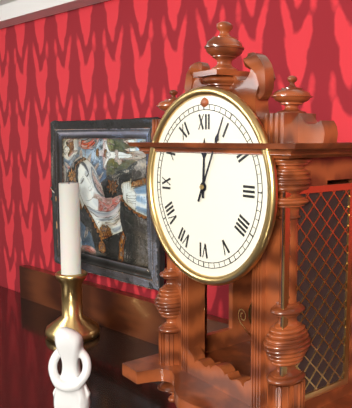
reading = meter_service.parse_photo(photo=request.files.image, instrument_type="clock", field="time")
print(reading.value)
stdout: 12:04
